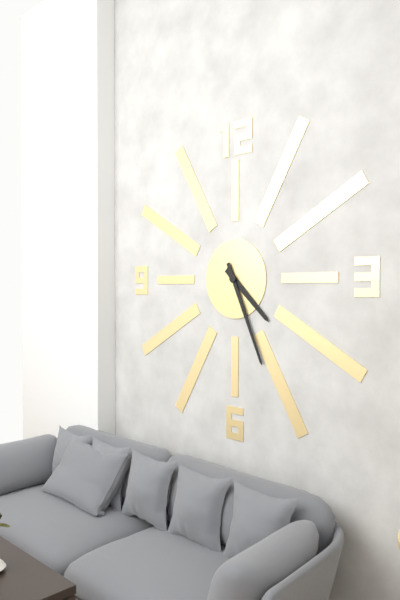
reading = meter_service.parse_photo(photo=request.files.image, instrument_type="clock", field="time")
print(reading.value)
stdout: 4:26
